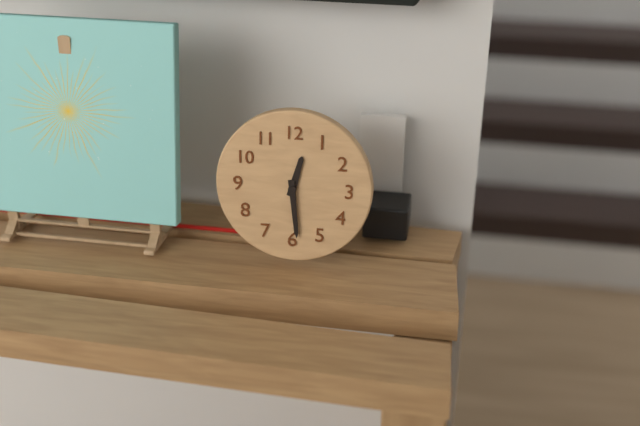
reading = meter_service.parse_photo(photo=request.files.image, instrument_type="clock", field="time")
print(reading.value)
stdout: 12:29
